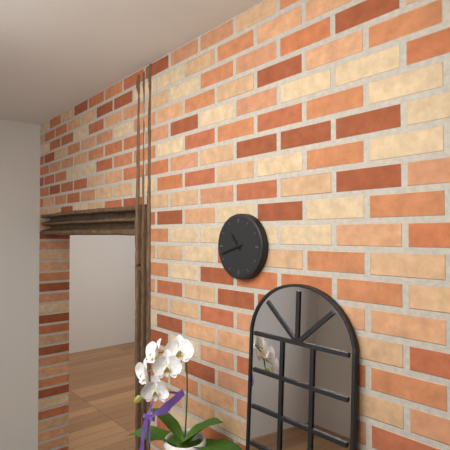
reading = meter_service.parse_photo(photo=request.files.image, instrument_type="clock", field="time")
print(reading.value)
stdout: 10:42
